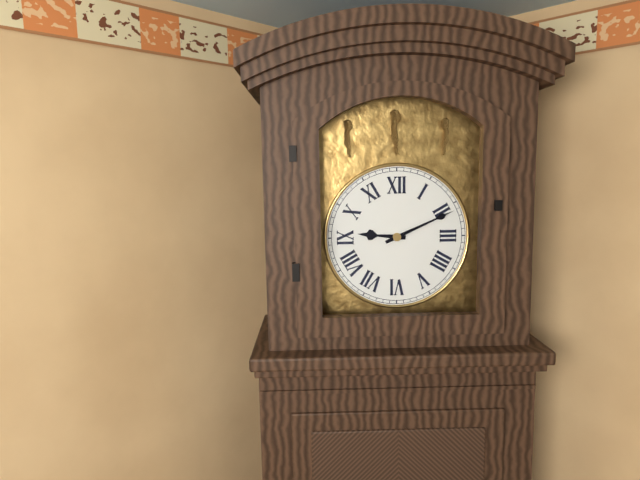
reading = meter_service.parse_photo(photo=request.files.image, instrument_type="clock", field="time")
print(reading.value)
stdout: 9:11
